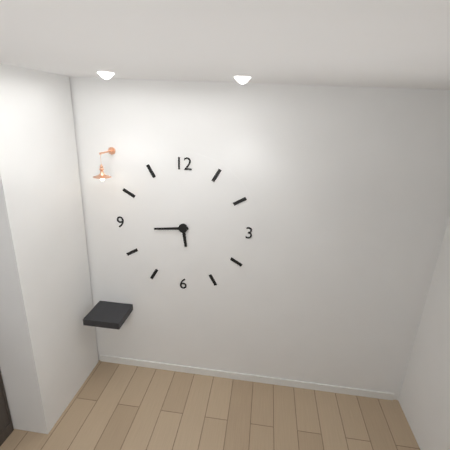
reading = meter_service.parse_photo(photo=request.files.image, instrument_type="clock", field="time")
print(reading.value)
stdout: 5:44
